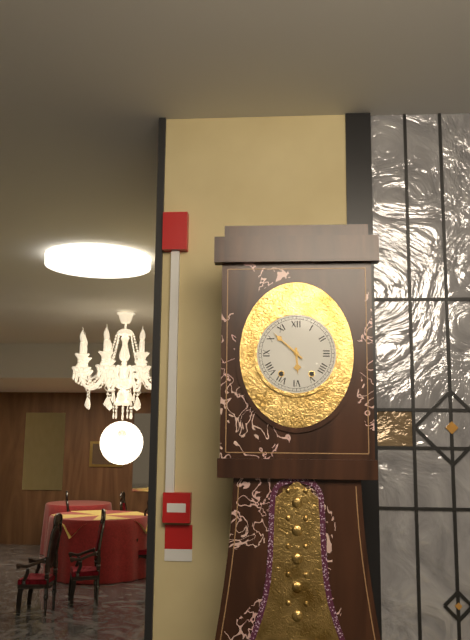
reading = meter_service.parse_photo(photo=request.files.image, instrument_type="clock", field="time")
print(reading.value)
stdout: 5:52
